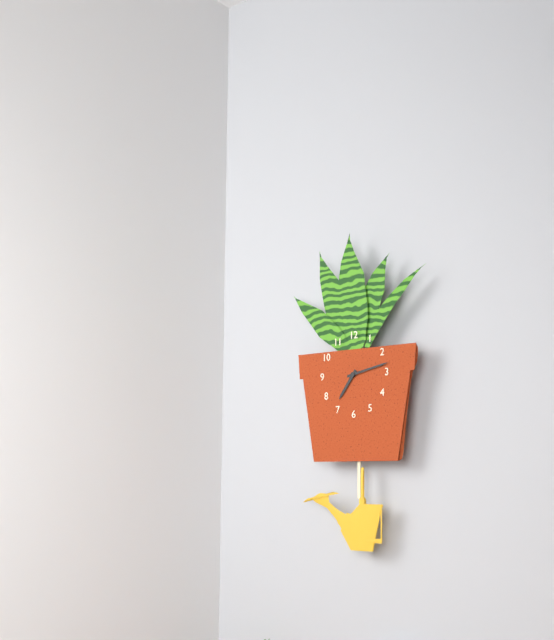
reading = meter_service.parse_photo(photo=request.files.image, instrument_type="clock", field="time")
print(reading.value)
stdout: 7:13
